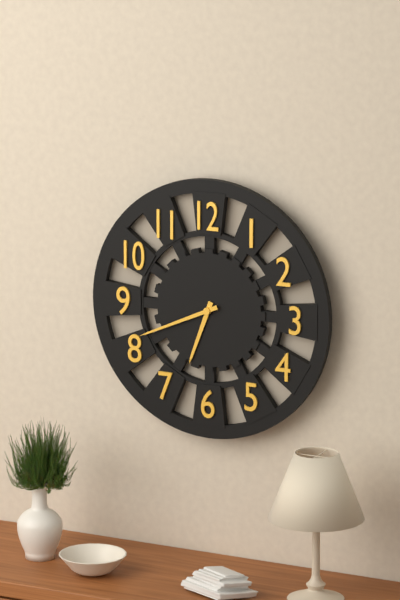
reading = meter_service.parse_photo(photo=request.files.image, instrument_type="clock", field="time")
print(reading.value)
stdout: 6:41
